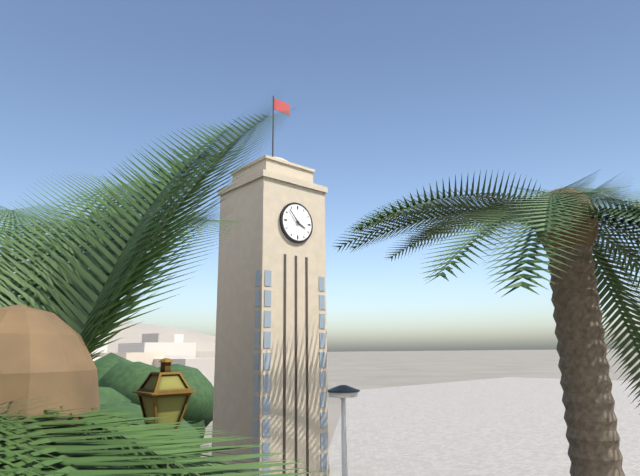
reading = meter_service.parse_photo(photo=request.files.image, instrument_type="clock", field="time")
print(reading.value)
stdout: 3:53
